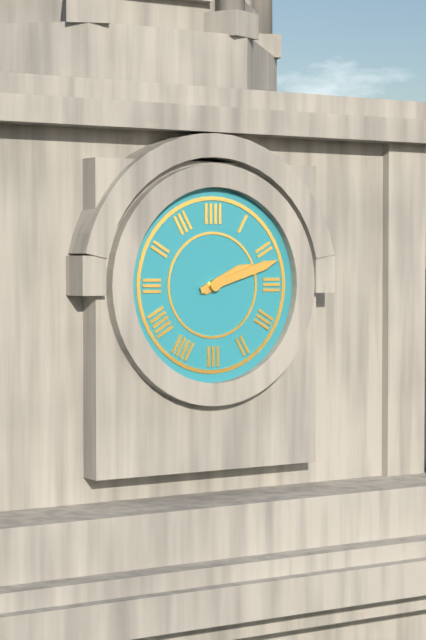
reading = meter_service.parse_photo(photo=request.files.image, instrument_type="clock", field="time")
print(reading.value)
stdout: 2:12
